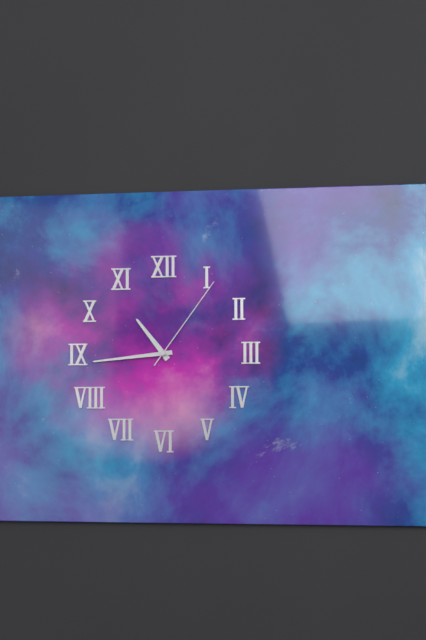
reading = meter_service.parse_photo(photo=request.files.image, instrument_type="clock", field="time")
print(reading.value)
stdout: 10:44:06
